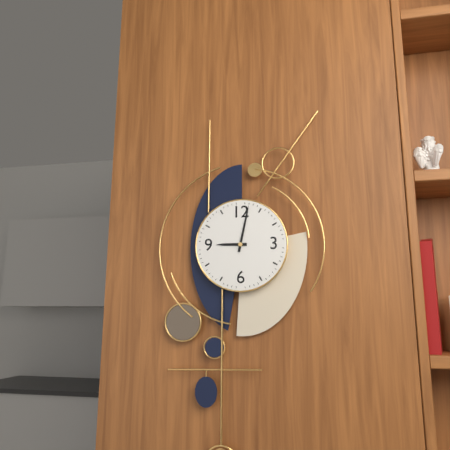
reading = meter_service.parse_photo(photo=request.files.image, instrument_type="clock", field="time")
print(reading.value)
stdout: 9:02
